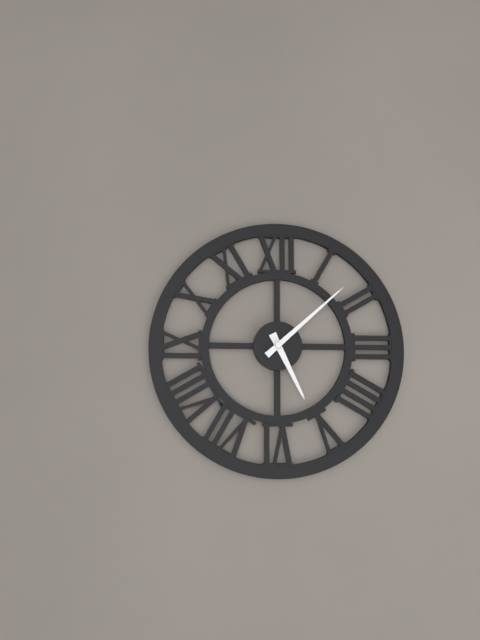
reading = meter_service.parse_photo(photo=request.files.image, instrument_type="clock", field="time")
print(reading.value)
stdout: 5:08
